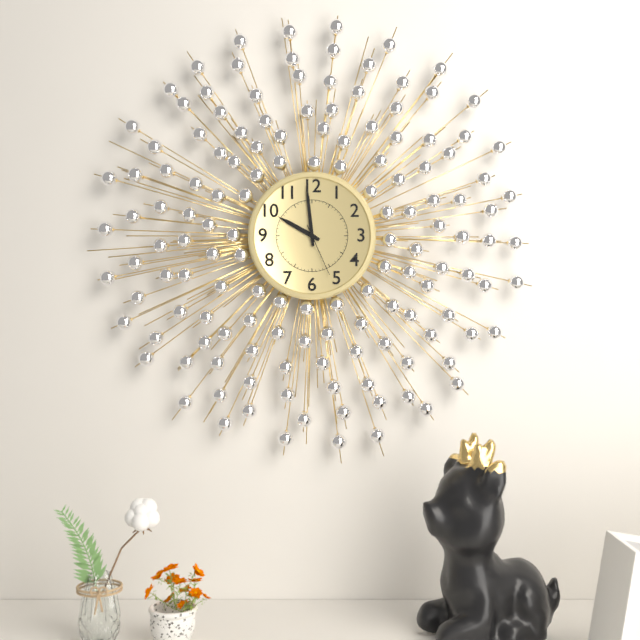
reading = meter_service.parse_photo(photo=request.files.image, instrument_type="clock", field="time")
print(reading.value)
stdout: 9:59:26
